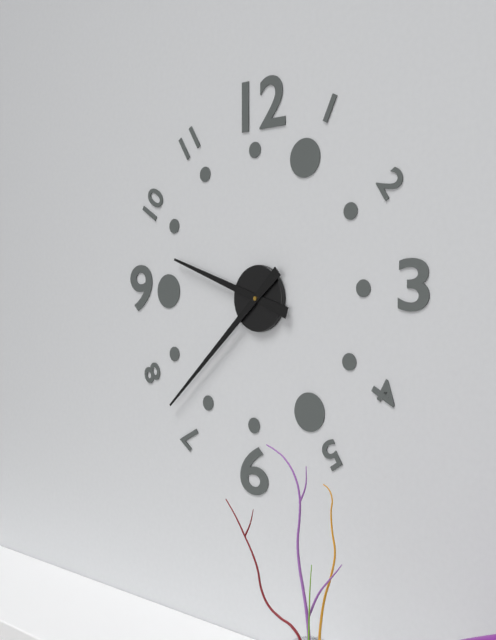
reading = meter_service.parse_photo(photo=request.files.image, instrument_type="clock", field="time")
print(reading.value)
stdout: 9:38
